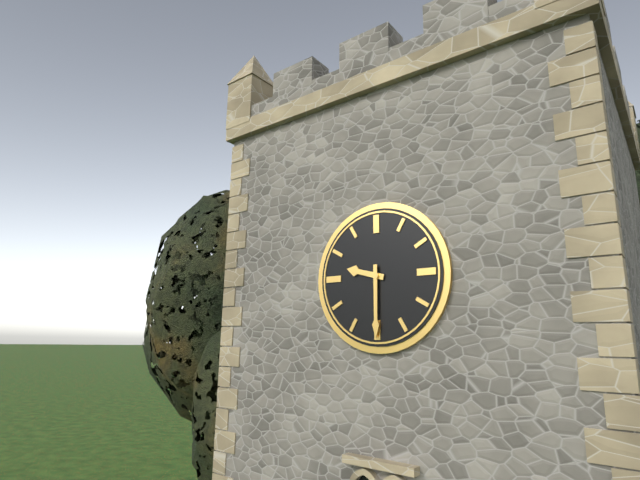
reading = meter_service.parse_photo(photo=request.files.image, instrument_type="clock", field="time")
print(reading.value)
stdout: 9:30
